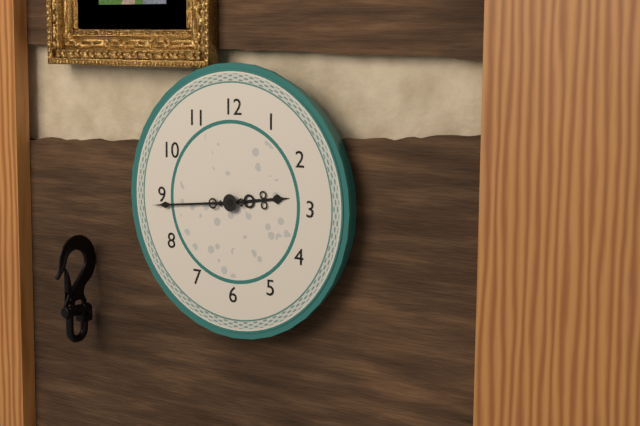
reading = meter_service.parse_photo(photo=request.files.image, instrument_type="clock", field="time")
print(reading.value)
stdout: 2:44
